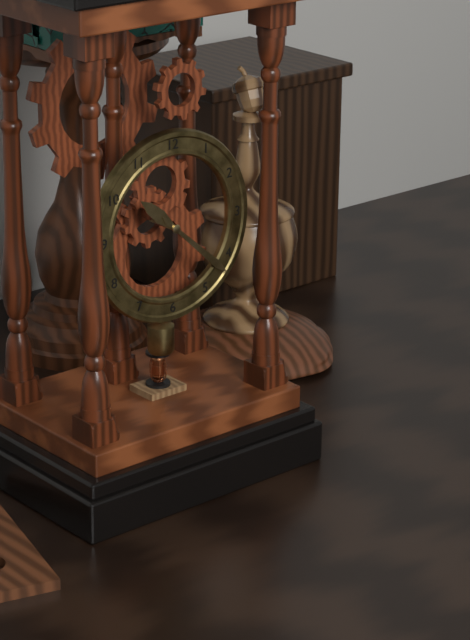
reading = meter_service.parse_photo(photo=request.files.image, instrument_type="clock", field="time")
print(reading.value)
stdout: 10:22
